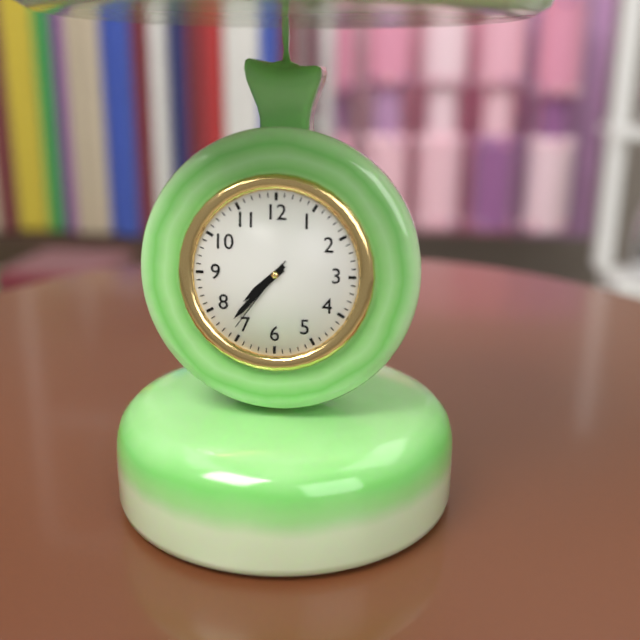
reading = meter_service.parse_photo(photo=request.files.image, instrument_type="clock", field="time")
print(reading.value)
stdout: 7:37:36
